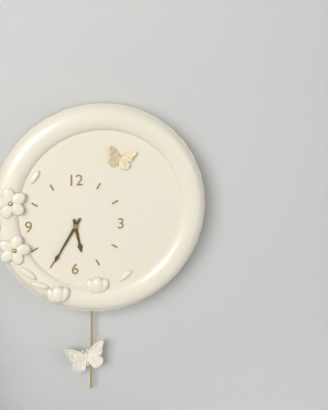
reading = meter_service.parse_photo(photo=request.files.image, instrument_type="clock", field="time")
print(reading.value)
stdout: 5:35
